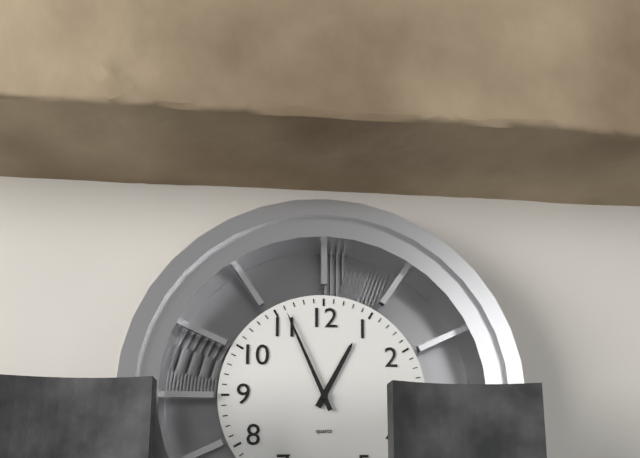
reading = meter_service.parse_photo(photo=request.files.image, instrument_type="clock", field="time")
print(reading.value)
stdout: 12:56
